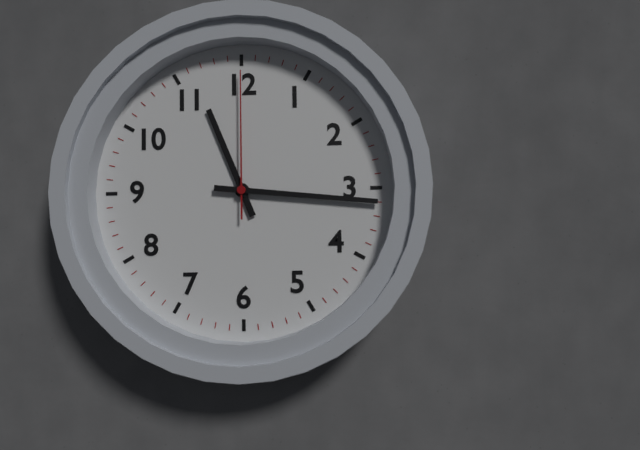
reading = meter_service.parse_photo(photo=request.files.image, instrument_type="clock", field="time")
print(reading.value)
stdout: 11:16:00
